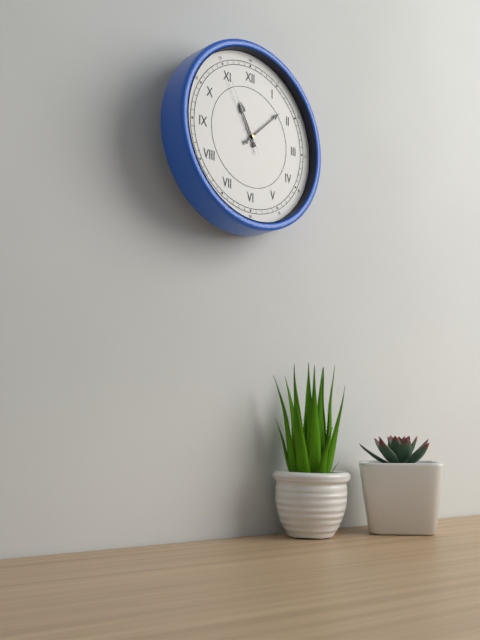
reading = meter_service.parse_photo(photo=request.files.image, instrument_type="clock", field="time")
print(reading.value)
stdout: 11:08:55
